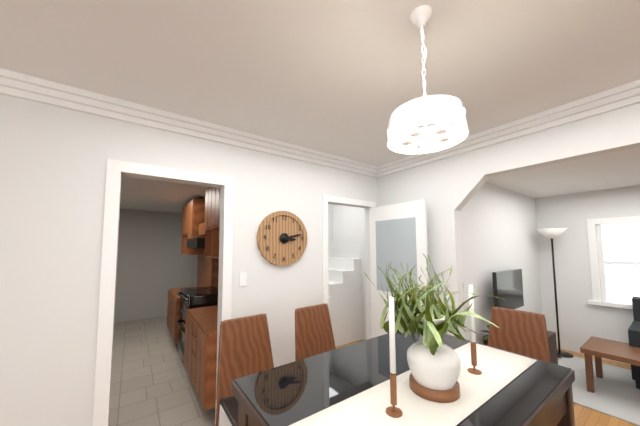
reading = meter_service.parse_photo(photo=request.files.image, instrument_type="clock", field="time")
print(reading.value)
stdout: 3:13
